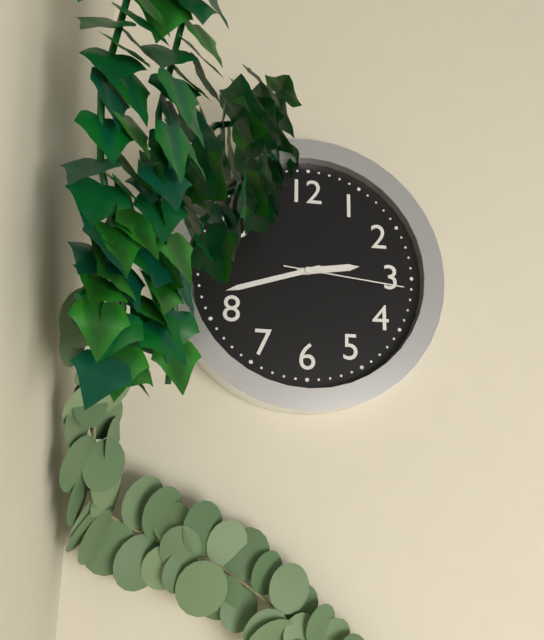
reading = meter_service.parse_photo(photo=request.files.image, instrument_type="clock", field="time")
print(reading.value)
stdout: 2:42:16
